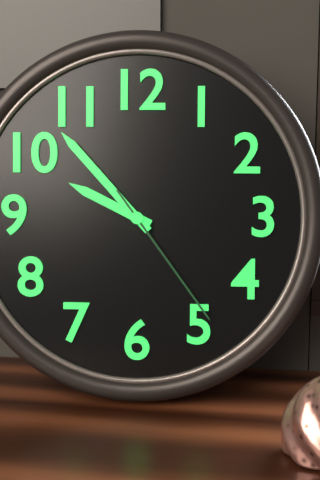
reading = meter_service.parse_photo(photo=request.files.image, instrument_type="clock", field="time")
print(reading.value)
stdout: 9:53:24
